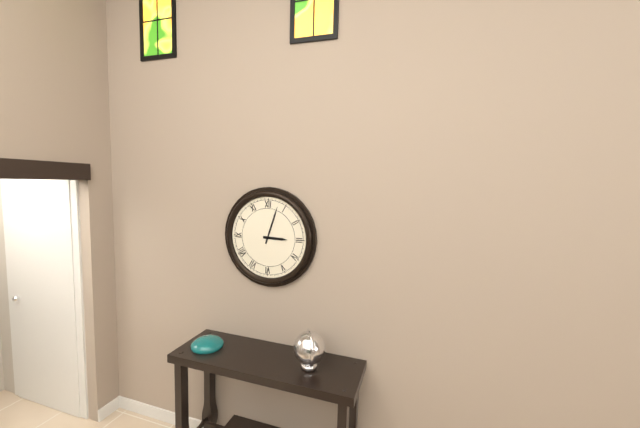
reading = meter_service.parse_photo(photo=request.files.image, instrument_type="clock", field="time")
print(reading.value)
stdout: 3:03
